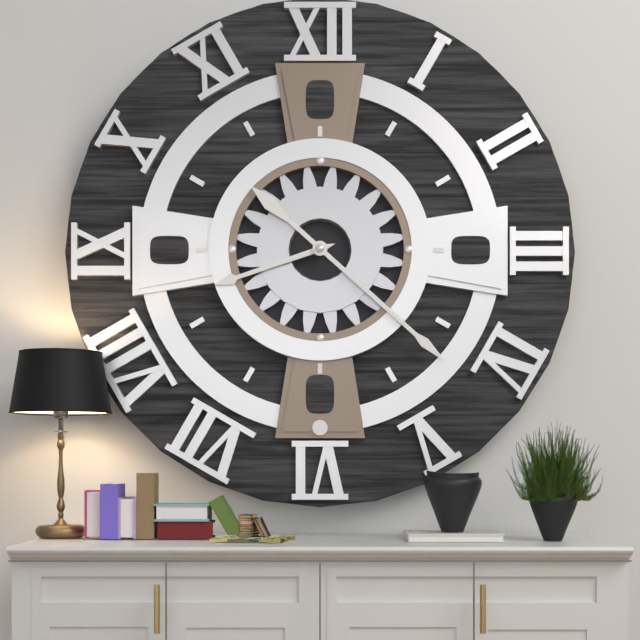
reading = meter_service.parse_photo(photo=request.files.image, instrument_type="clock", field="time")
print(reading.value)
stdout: 8:22
